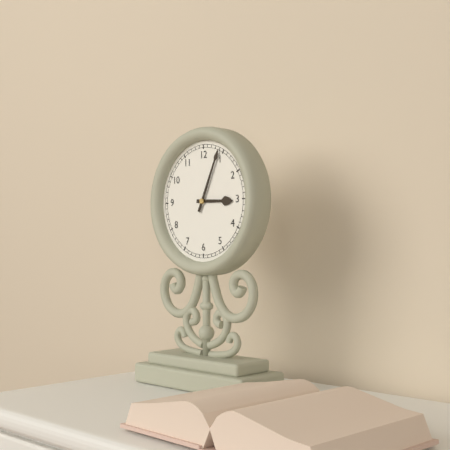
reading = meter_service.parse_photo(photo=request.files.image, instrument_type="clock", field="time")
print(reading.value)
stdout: 3:04
